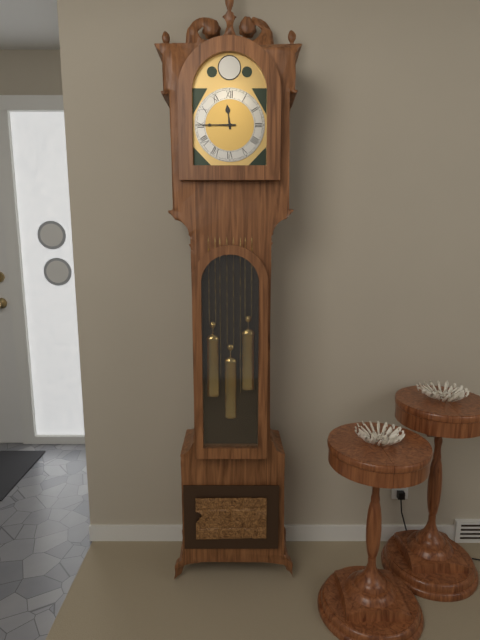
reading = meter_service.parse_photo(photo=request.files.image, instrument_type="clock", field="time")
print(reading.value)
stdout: 11:45
